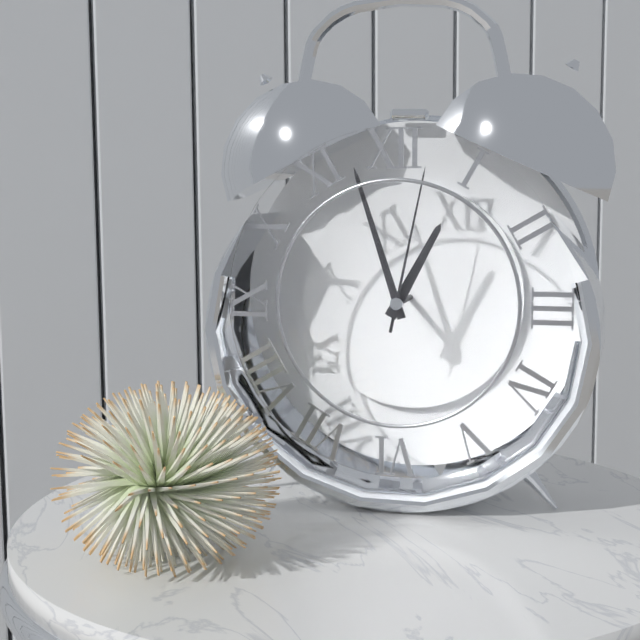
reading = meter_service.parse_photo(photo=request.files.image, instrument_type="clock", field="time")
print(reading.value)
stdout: 12:57:02
